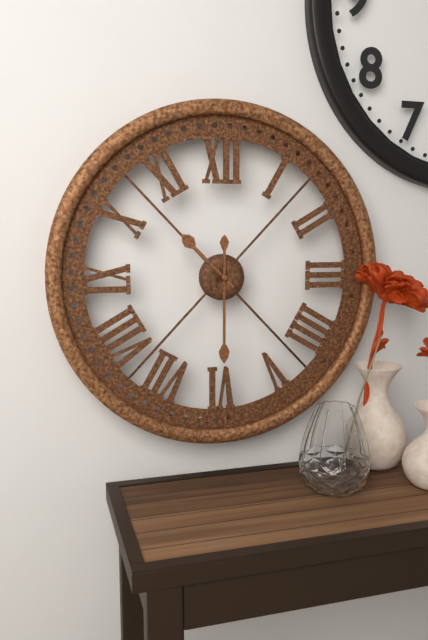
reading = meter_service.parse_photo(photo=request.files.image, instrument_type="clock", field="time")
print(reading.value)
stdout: 10:30
